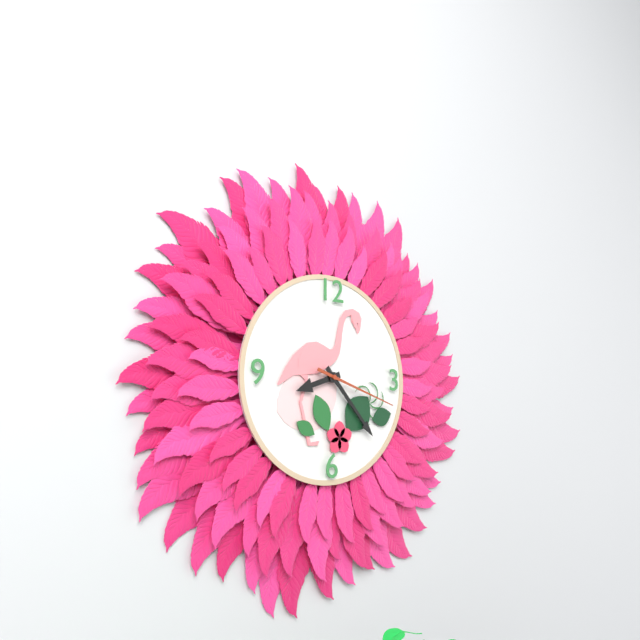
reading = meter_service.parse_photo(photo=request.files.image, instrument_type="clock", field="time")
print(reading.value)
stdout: 8:23:18
